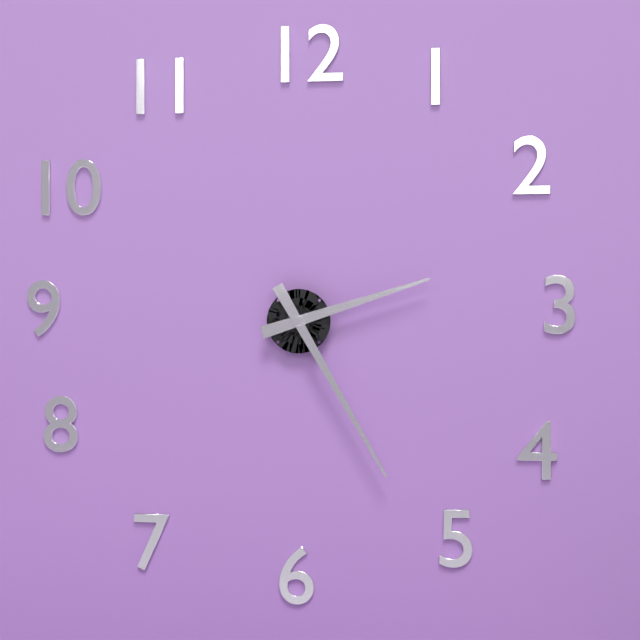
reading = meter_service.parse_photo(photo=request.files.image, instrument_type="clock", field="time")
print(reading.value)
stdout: 2:25
